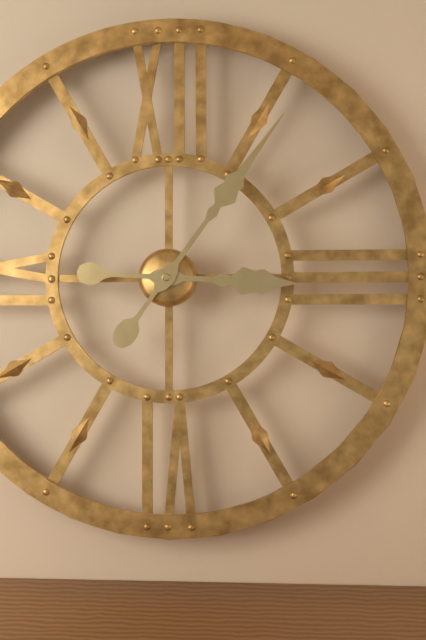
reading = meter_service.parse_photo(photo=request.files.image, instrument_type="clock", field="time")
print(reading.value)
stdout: 3:06
